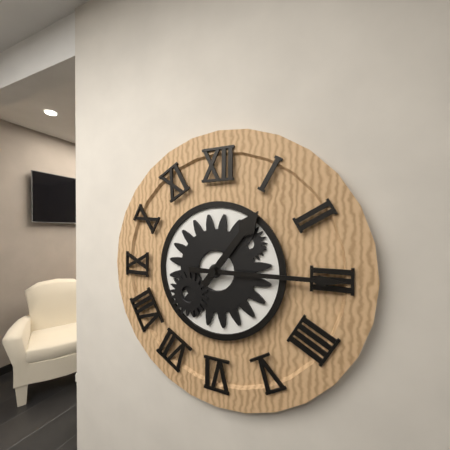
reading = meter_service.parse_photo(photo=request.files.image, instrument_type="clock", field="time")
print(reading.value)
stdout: 1:15
